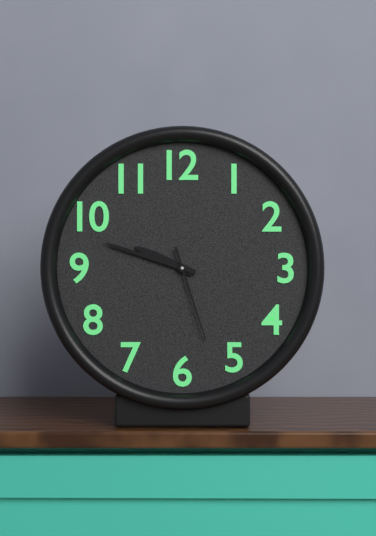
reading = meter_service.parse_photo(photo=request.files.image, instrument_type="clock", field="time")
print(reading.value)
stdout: 9:48:27
